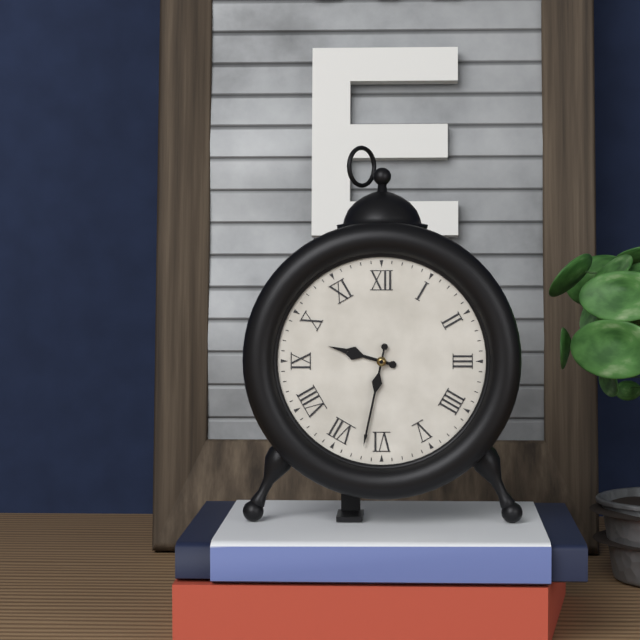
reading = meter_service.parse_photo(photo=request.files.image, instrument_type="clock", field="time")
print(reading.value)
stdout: 9:32
